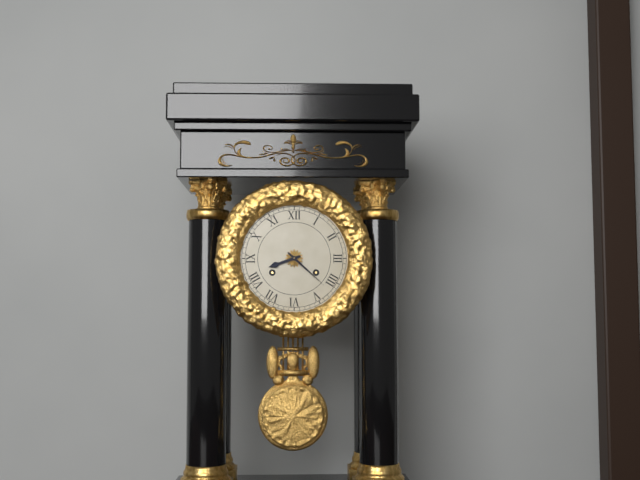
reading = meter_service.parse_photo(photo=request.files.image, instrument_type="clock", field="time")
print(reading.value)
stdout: 8:22
